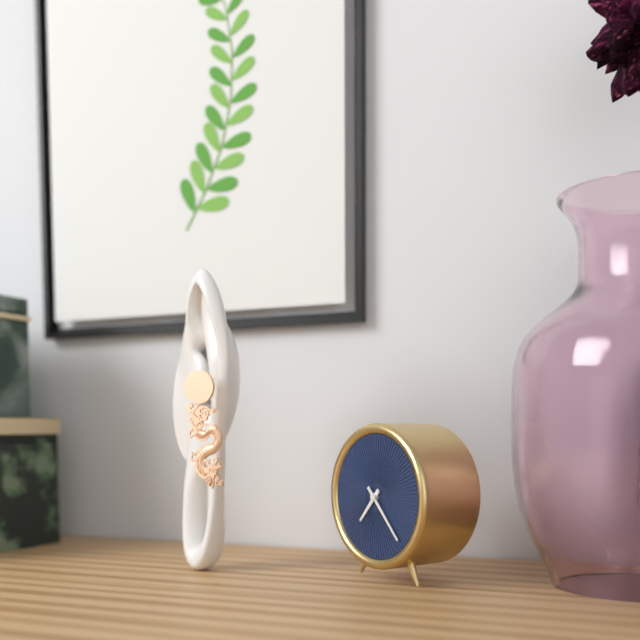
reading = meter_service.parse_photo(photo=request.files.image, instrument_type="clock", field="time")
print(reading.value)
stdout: 7:23
